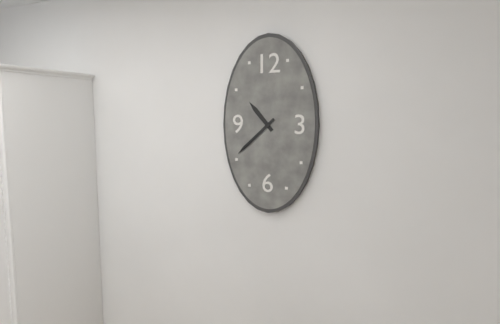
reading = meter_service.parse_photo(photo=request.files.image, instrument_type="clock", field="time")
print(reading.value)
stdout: 10:38
